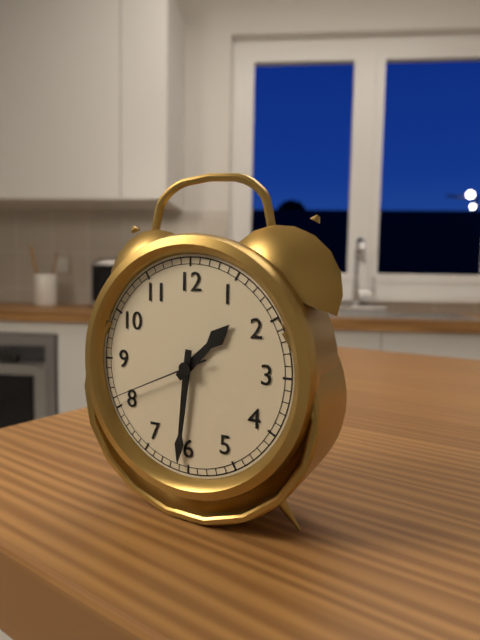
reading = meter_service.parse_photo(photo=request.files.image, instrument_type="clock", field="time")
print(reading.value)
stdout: 1:31:41
